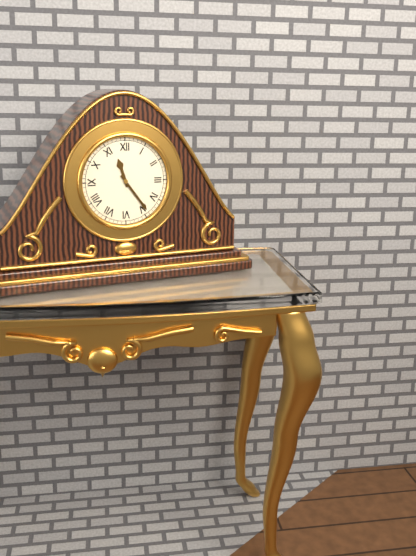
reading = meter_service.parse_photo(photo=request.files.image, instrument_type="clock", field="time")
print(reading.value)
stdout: 11:24
